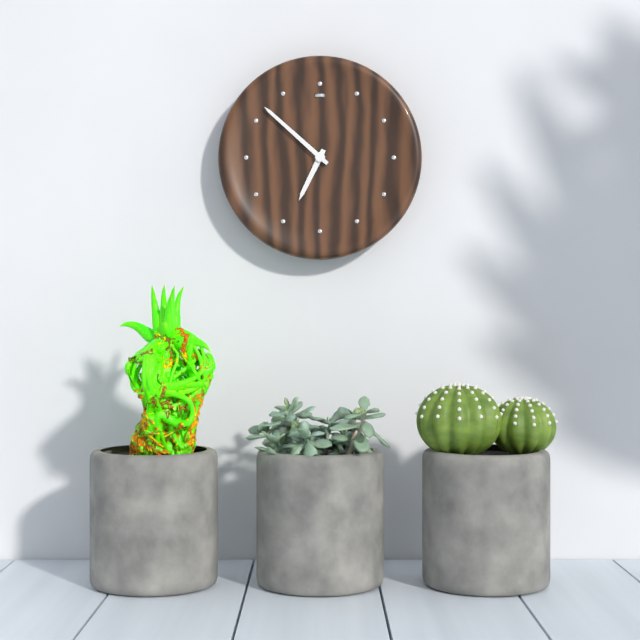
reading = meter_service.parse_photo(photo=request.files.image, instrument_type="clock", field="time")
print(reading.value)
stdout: 6:52
